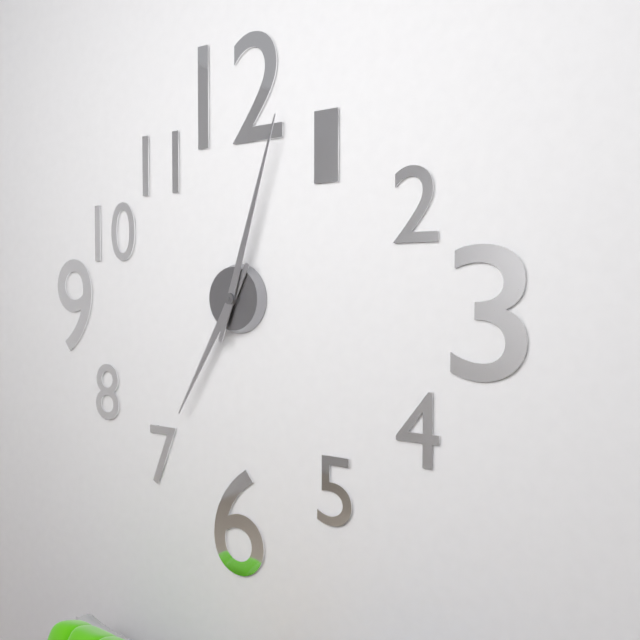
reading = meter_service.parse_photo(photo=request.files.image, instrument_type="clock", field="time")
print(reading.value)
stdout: 7:03
